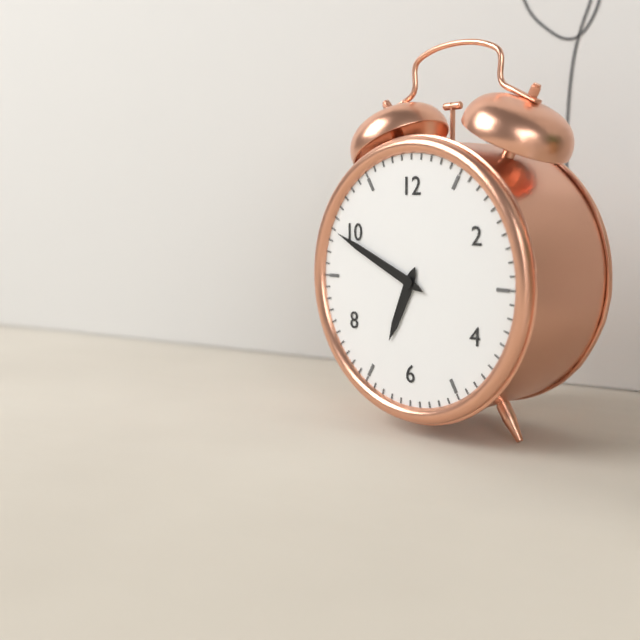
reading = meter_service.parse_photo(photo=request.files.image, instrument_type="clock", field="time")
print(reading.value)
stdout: 6:49
